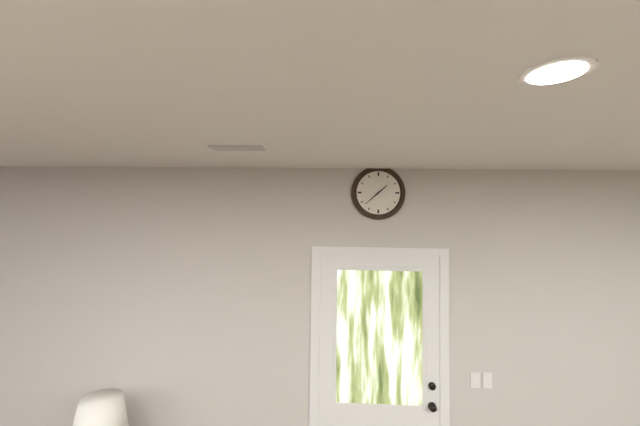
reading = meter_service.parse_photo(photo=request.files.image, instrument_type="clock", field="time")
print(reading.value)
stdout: 1:38
